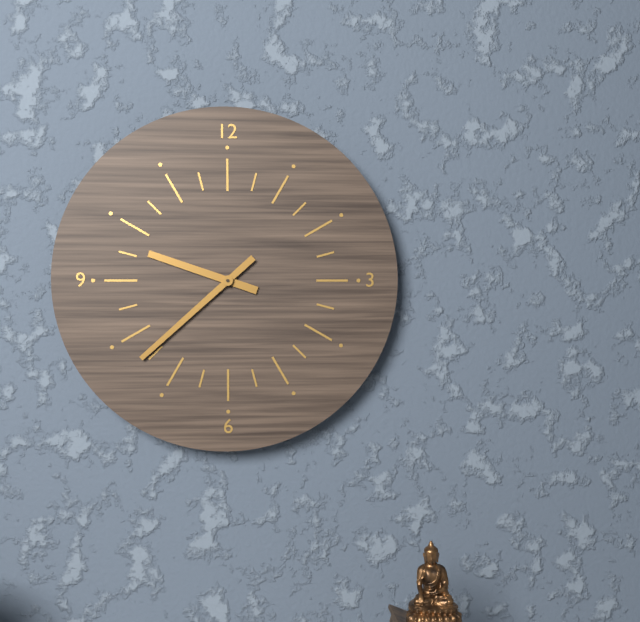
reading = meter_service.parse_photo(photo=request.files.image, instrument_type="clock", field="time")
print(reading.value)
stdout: 9:38
